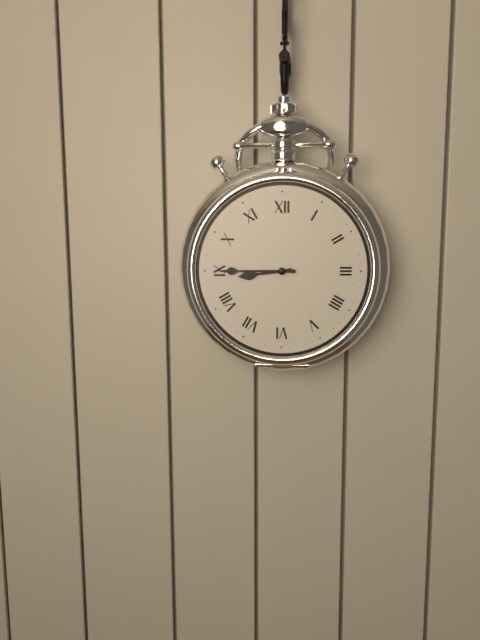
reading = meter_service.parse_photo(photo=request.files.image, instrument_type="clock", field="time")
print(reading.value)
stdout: 8:45
